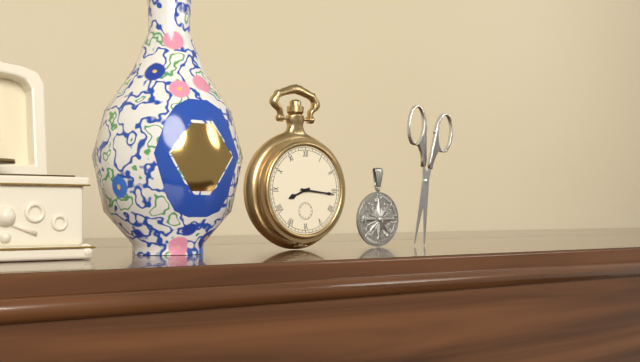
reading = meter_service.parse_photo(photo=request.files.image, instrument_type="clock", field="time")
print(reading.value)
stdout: 8:16
